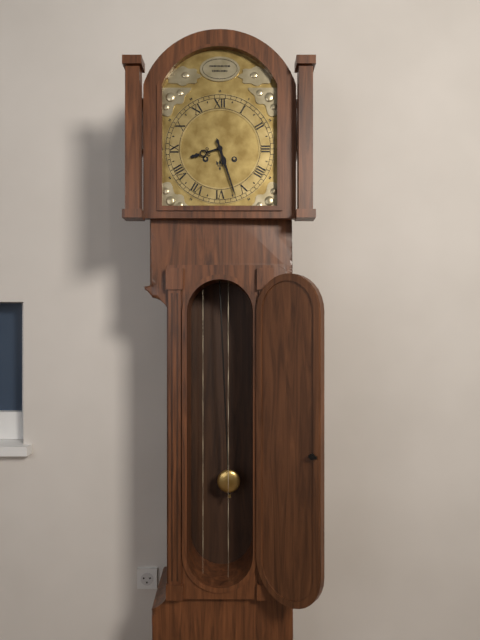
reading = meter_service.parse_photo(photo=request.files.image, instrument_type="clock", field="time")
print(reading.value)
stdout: 8:27
